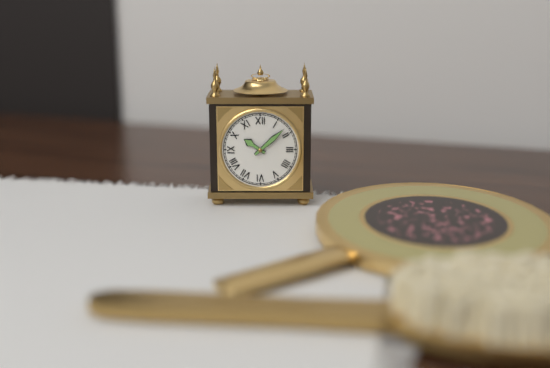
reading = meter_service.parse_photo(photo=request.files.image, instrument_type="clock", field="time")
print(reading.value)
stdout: 10:08
